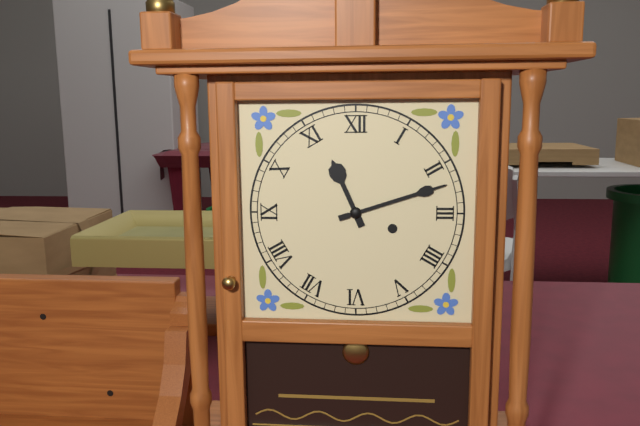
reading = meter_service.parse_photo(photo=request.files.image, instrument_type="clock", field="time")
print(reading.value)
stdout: 11:12
